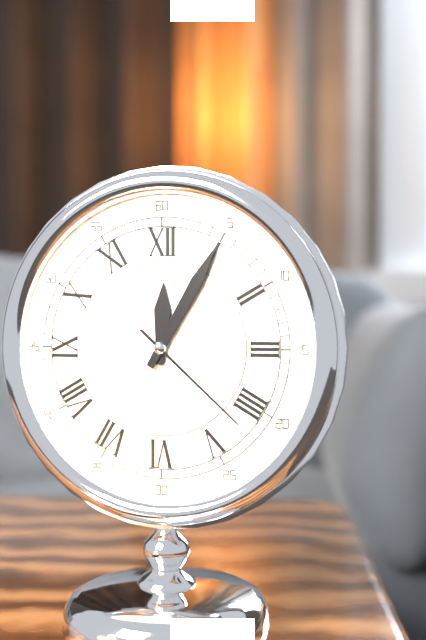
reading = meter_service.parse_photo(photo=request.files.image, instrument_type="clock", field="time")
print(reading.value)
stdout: 12:05:22
